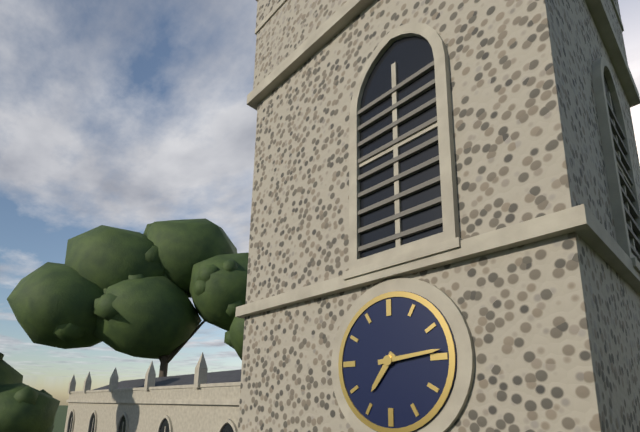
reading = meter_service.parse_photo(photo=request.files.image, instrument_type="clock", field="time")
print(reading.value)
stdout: 7:14
